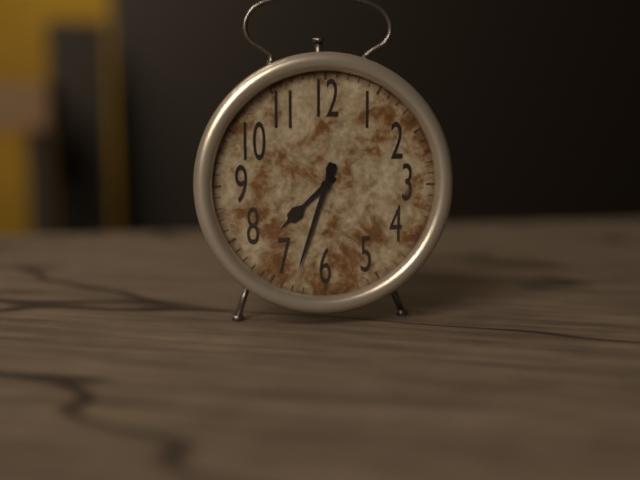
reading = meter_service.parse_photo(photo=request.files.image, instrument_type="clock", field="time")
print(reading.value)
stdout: 7:33
